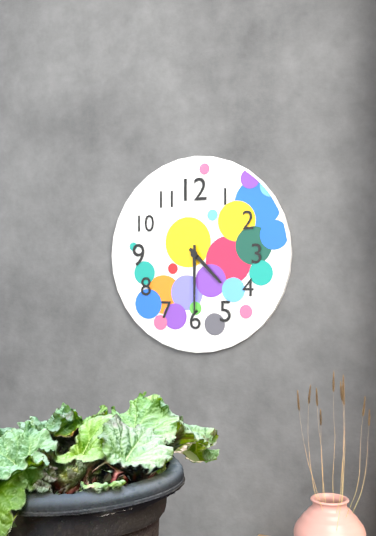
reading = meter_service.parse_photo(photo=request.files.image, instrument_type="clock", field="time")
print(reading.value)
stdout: 4:30
